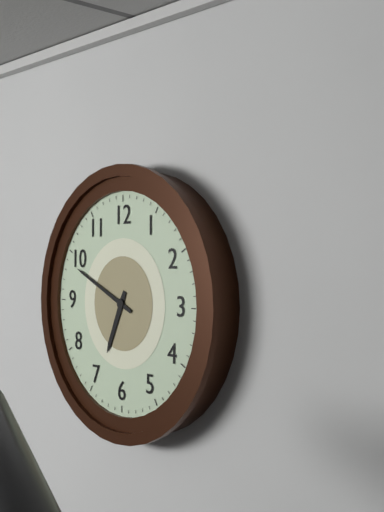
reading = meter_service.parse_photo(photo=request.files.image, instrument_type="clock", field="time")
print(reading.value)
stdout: 6:49
